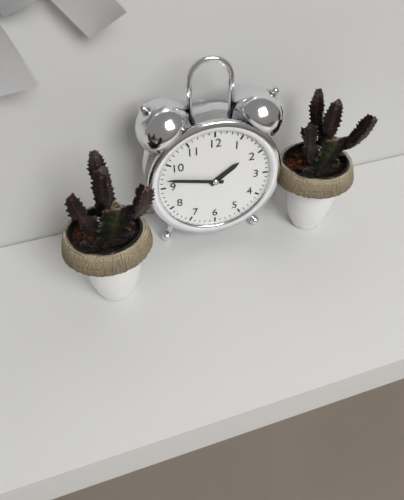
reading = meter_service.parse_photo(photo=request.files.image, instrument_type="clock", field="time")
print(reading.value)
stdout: 1:47
